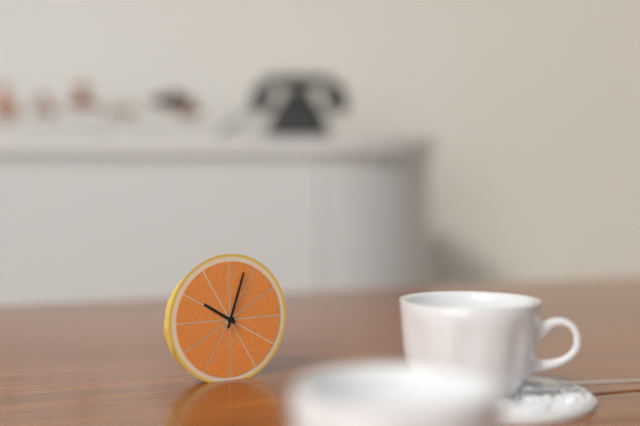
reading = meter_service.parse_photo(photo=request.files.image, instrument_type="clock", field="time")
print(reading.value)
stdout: 10:03
